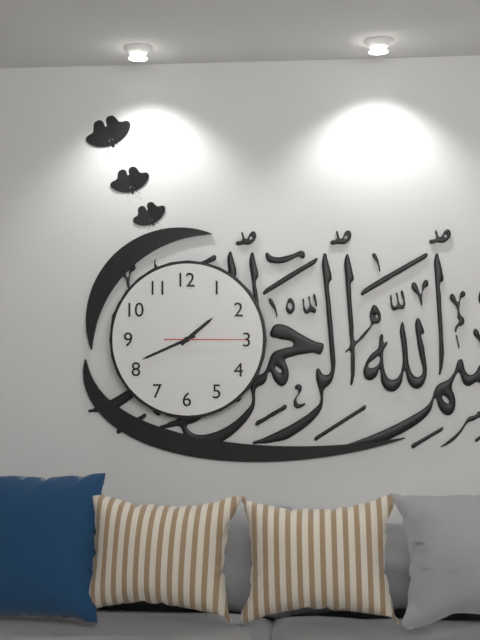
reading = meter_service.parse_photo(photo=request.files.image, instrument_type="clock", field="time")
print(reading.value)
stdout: 1:41:15
